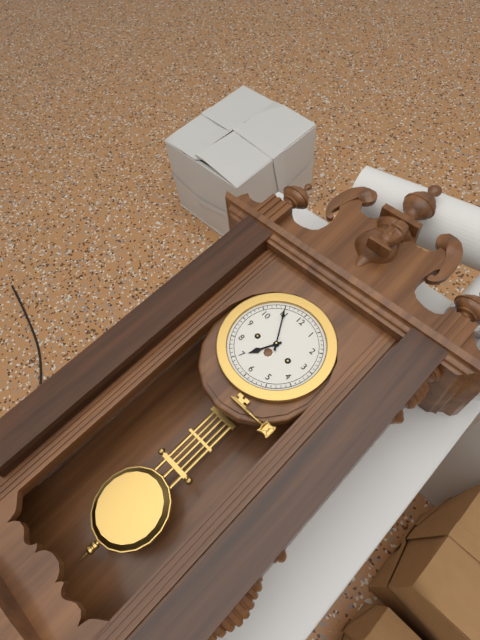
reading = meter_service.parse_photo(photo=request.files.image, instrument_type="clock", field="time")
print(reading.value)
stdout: 6:55
